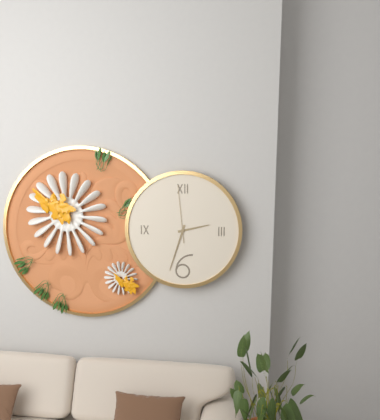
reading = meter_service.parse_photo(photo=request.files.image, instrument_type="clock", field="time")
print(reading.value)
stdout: 2:33:59
